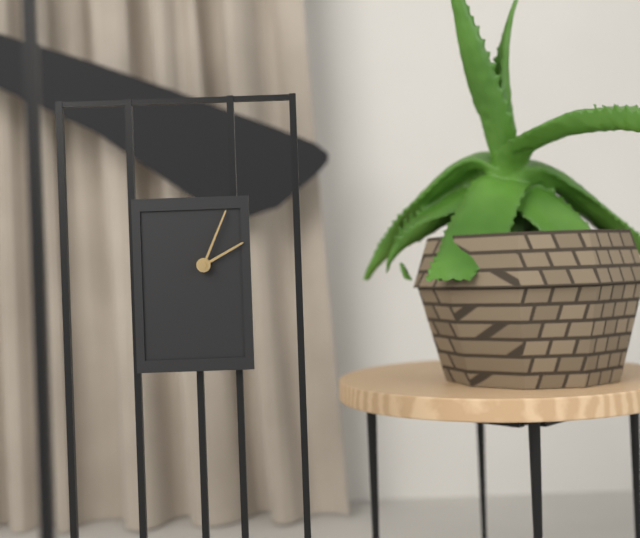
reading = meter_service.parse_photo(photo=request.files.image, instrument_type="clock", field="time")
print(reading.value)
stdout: 2:04
